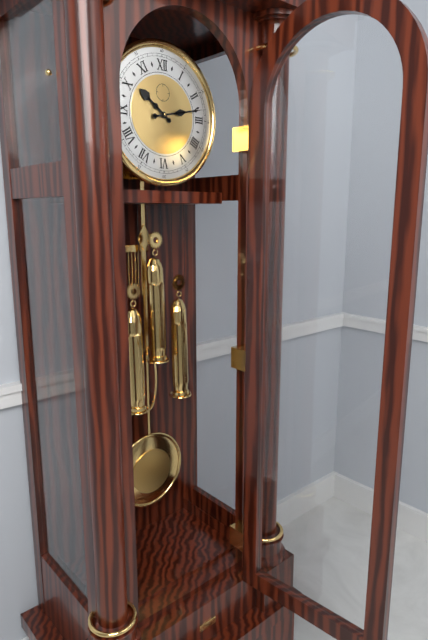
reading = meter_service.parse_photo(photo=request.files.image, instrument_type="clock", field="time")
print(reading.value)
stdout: 10:13
